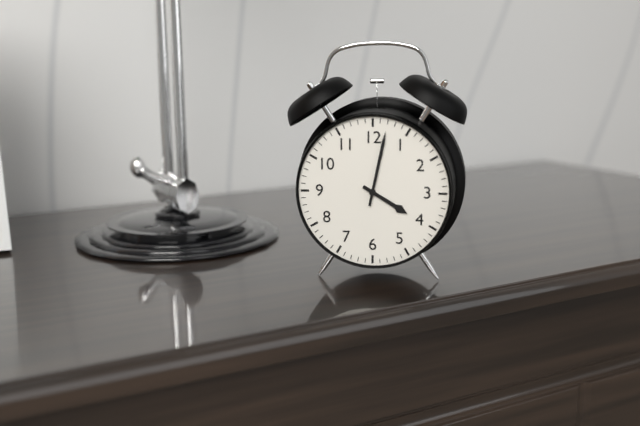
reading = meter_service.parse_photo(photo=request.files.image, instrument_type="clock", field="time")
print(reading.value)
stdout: 4:02
